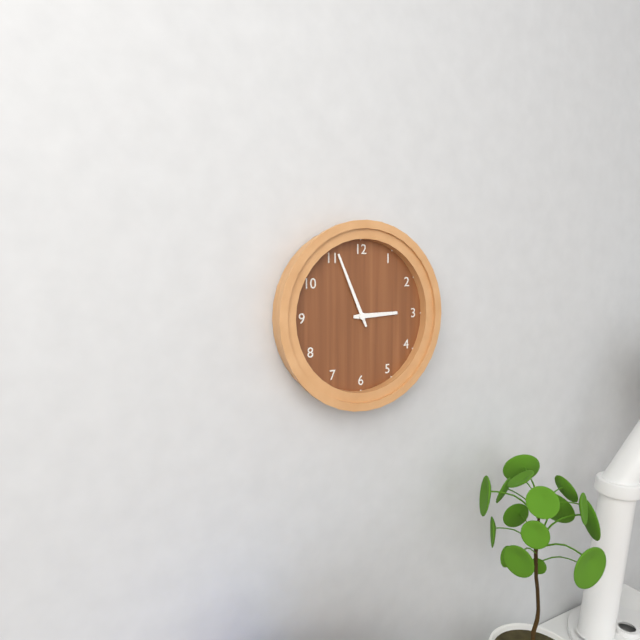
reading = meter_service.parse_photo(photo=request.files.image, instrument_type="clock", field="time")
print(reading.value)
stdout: 2:56
